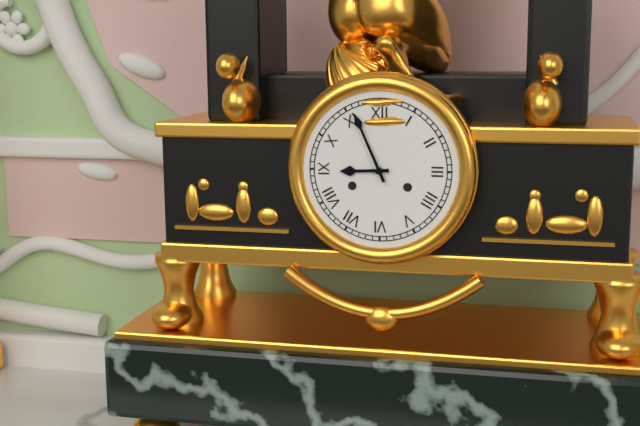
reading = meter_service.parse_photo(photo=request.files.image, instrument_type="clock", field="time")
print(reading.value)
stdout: 8:56
